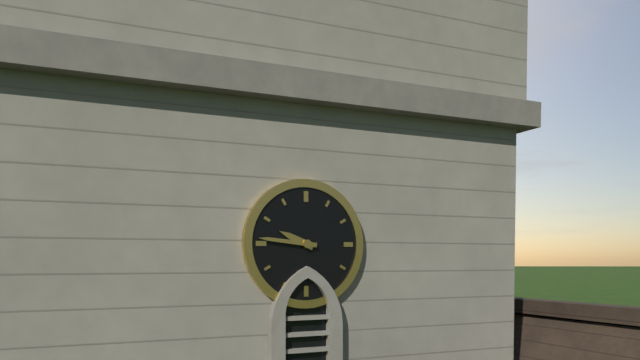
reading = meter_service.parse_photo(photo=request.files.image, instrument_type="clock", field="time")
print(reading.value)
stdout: 9:46
